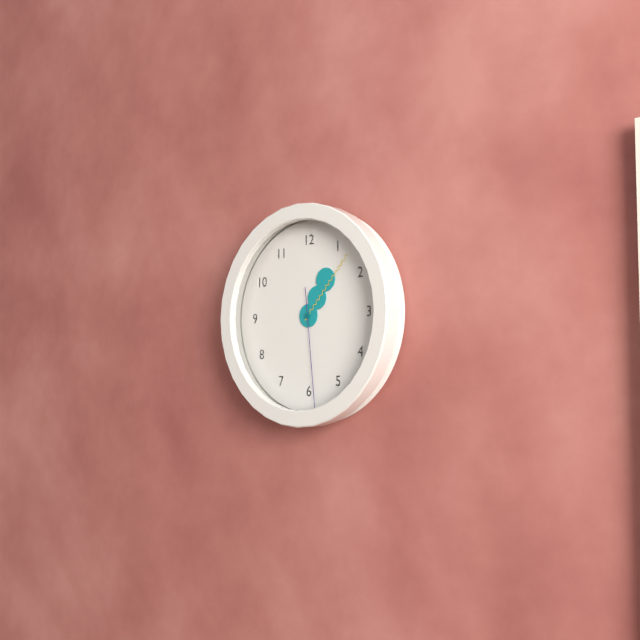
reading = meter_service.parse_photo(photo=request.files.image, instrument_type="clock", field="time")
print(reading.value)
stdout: 1:07:29
